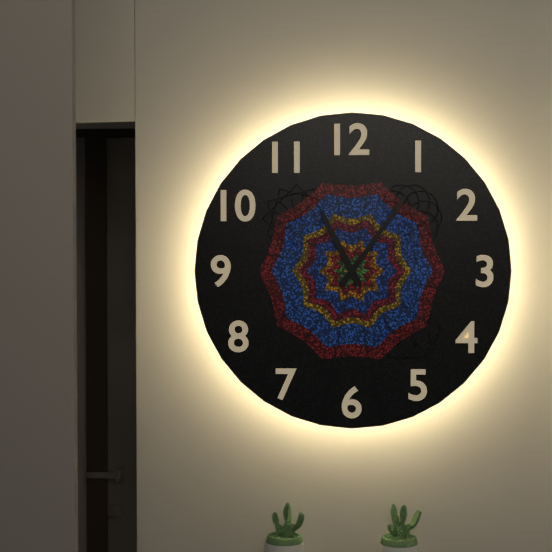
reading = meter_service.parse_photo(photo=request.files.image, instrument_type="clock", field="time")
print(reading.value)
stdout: 11:06
